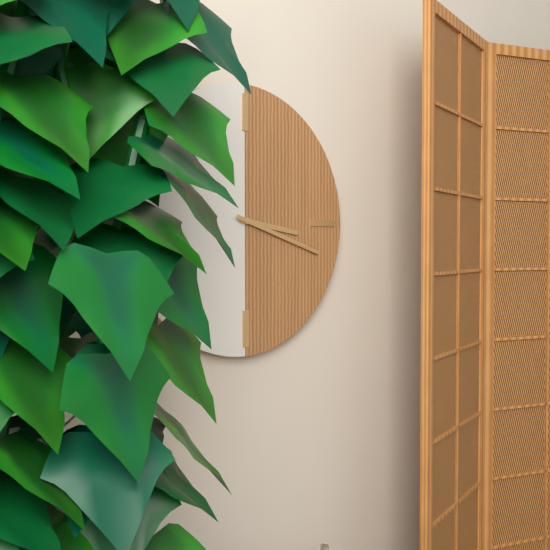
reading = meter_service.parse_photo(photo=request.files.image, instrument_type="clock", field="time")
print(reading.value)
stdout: 3:18
